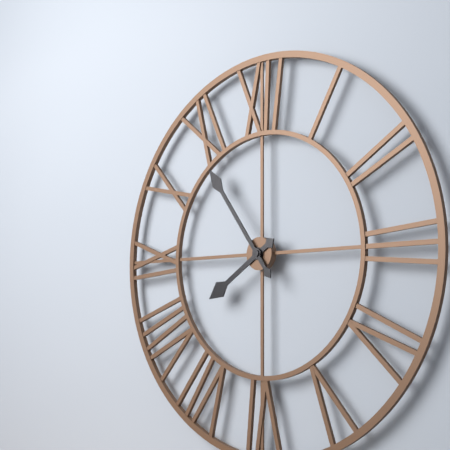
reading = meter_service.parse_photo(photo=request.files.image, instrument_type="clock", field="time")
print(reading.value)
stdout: 7:54
